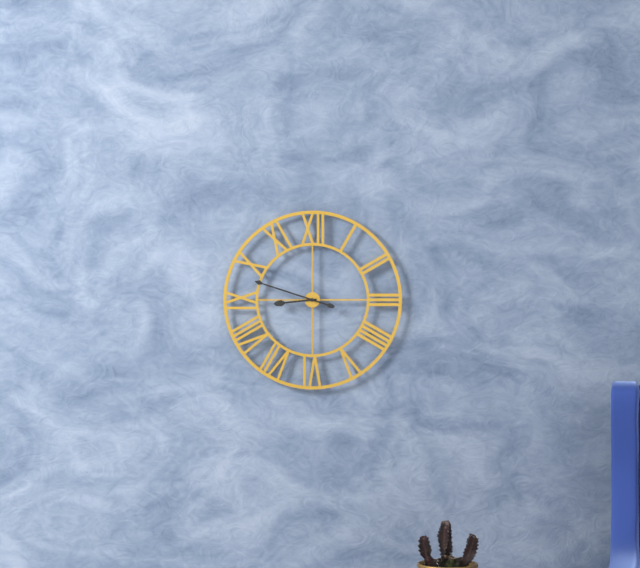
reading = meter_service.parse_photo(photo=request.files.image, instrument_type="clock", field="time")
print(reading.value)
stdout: 8:48
